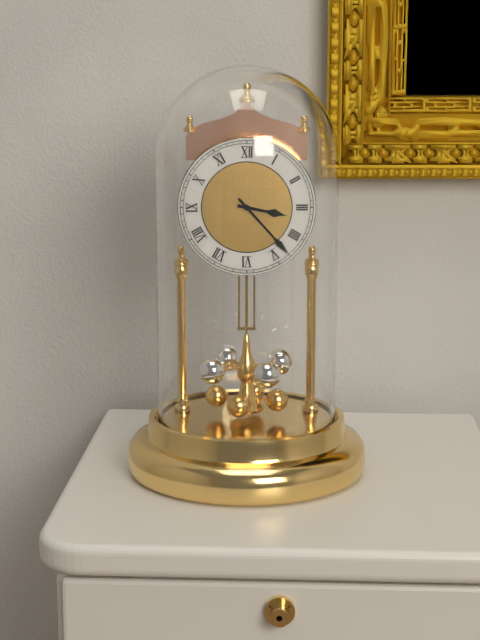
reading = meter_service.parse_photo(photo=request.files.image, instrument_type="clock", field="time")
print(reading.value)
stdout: 3:23
